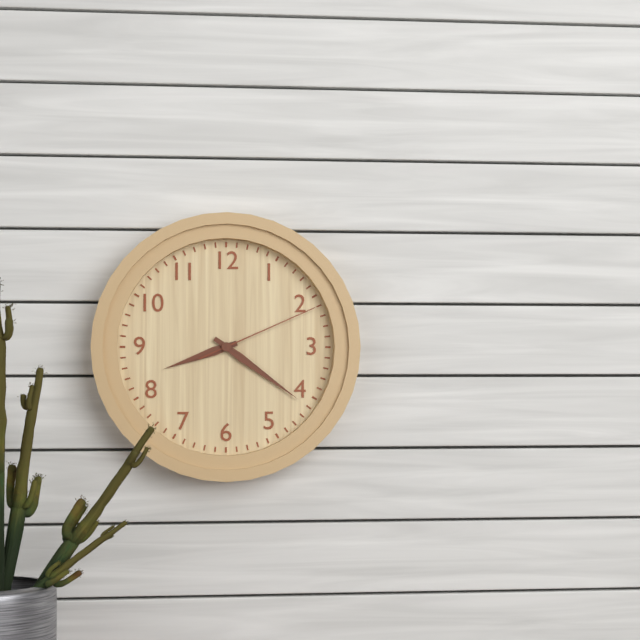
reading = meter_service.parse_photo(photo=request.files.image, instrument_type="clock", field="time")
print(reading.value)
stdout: 8:21:11
